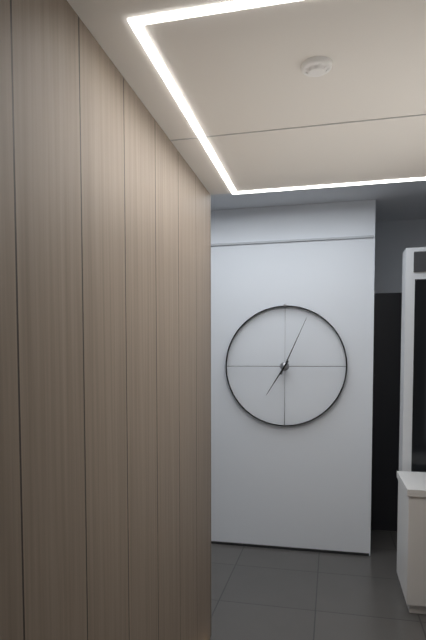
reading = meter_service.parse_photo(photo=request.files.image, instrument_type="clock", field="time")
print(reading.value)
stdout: 7:04
